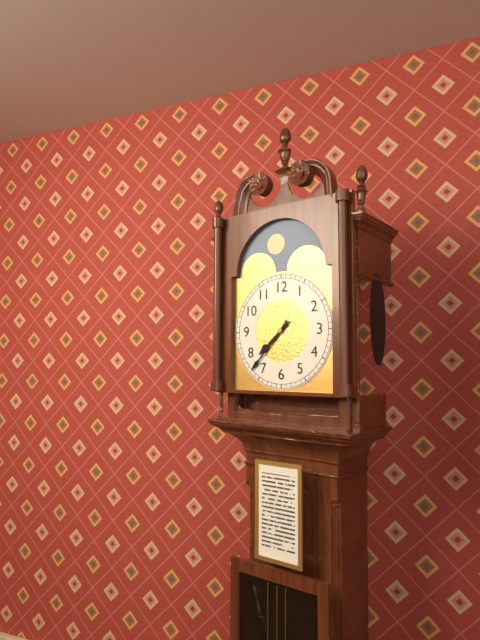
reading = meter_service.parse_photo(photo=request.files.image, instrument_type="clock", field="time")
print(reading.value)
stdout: 7:37
